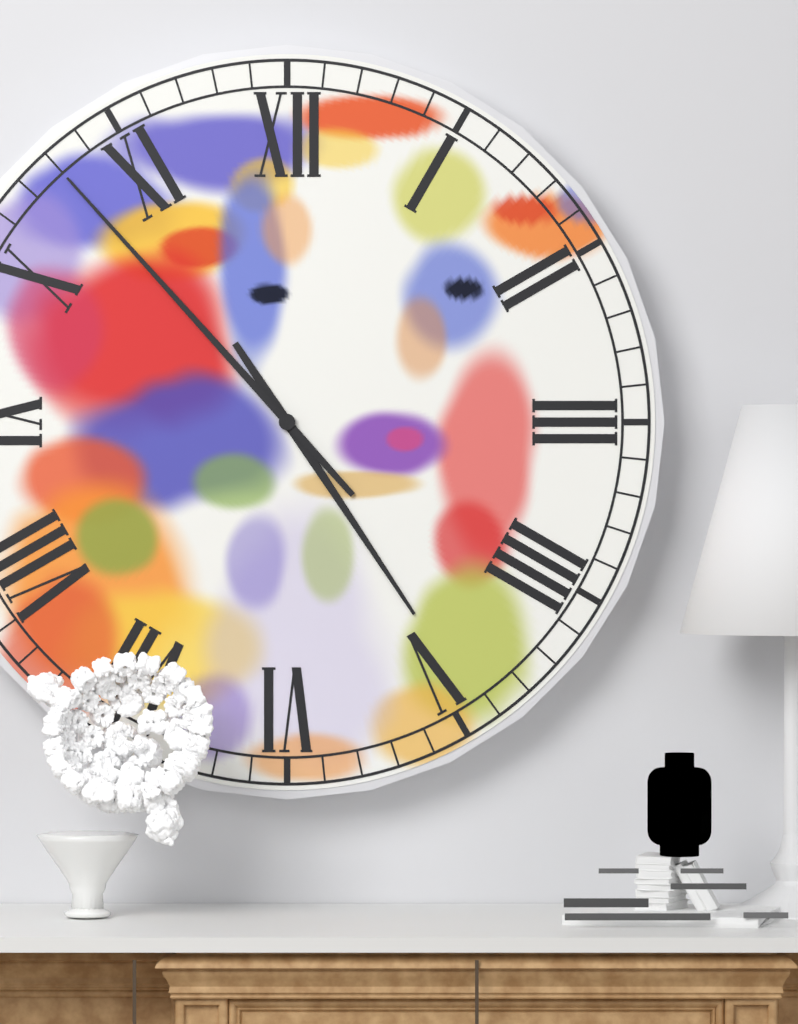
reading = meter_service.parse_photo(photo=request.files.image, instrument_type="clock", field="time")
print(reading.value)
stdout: 4:53
